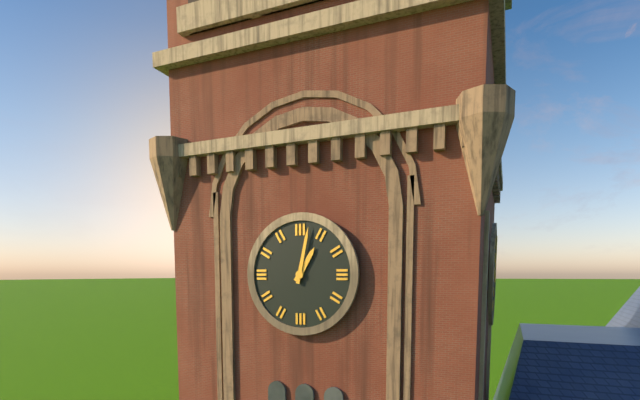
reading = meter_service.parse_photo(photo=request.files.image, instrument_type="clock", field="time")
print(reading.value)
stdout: 1:02
